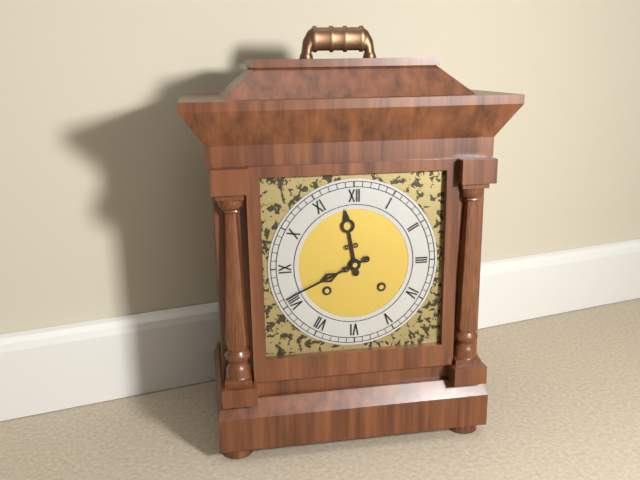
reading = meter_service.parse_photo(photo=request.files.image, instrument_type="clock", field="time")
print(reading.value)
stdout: 11:41
